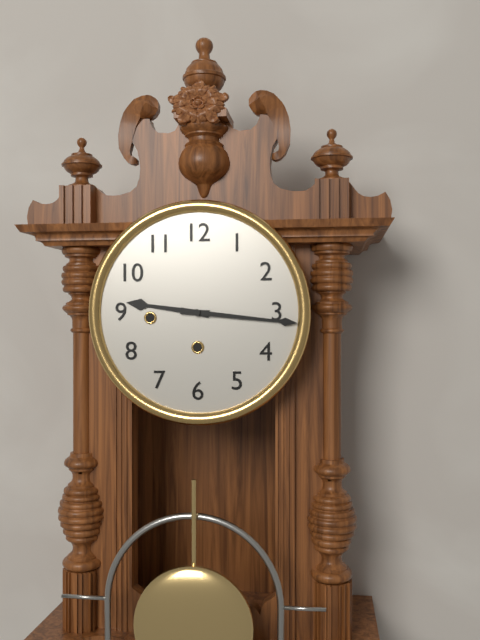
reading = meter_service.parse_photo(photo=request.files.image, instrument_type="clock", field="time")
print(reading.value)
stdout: 9:16
